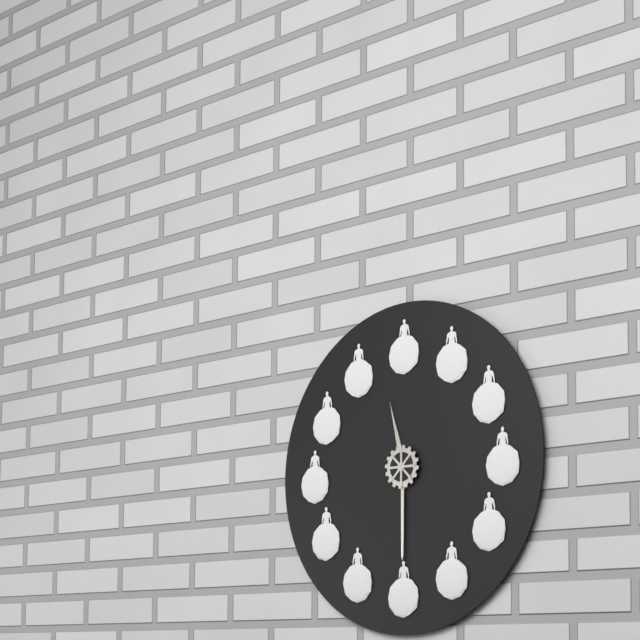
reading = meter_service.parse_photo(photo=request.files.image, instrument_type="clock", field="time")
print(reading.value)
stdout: 11:30
